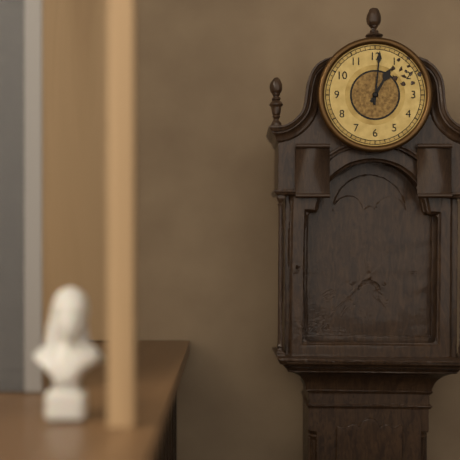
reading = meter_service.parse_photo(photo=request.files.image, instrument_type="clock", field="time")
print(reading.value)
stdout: 1:01
